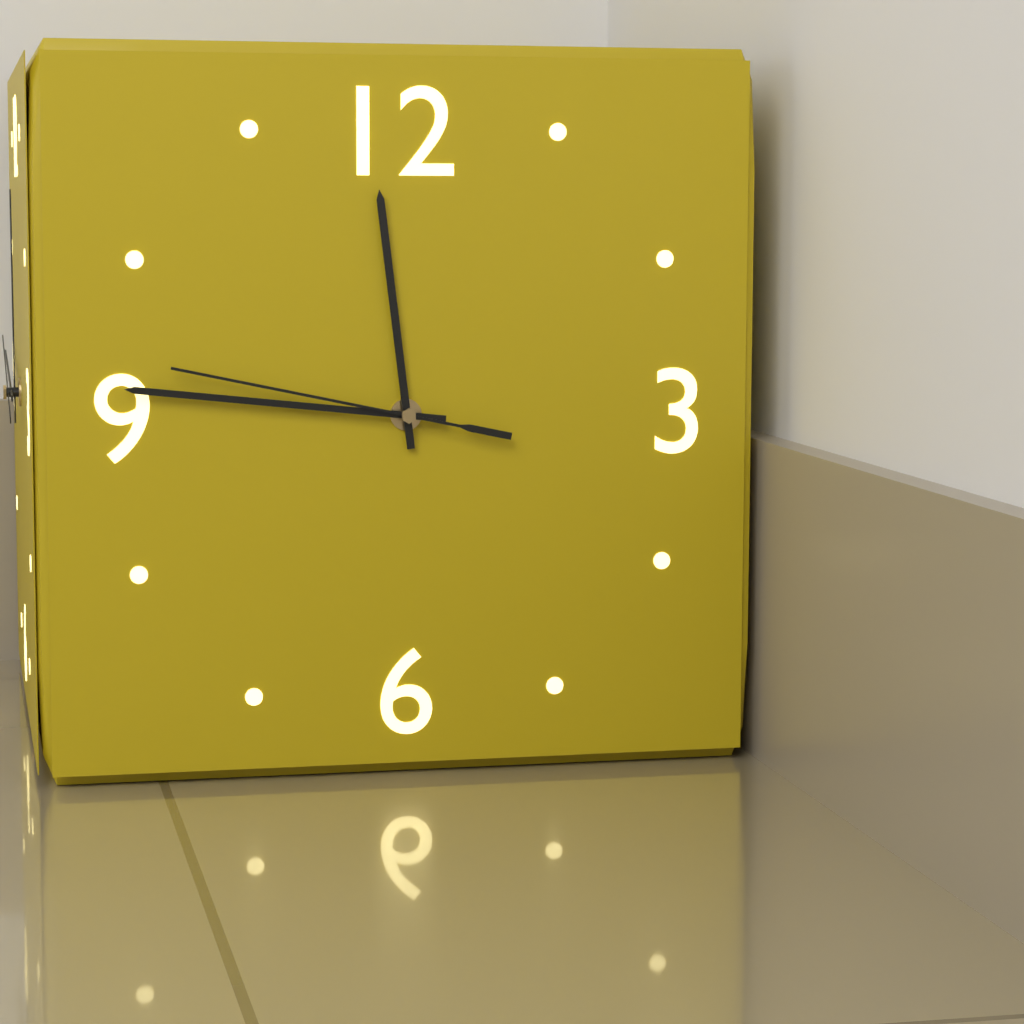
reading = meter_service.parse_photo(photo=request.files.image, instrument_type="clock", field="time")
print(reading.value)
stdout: 11:46:47
